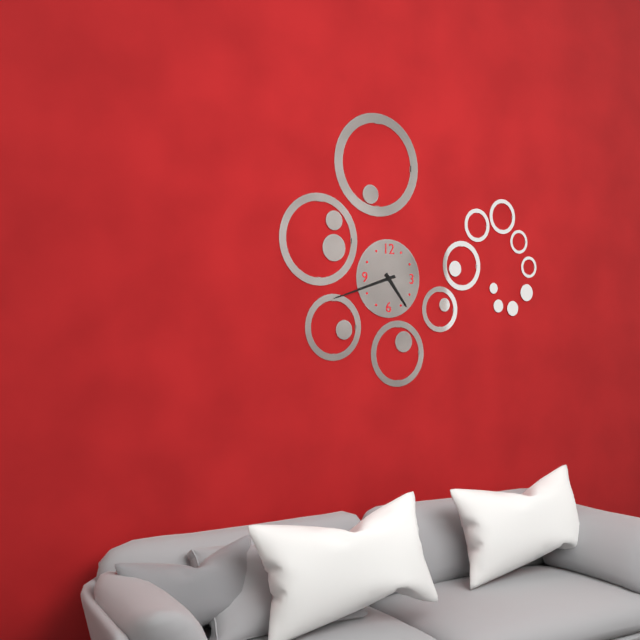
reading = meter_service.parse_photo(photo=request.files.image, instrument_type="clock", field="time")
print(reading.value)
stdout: 4:42
